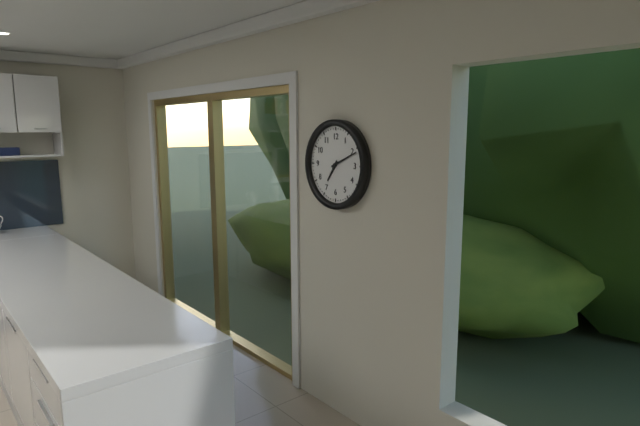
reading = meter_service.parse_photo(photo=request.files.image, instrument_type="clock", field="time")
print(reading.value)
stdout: 7:11
